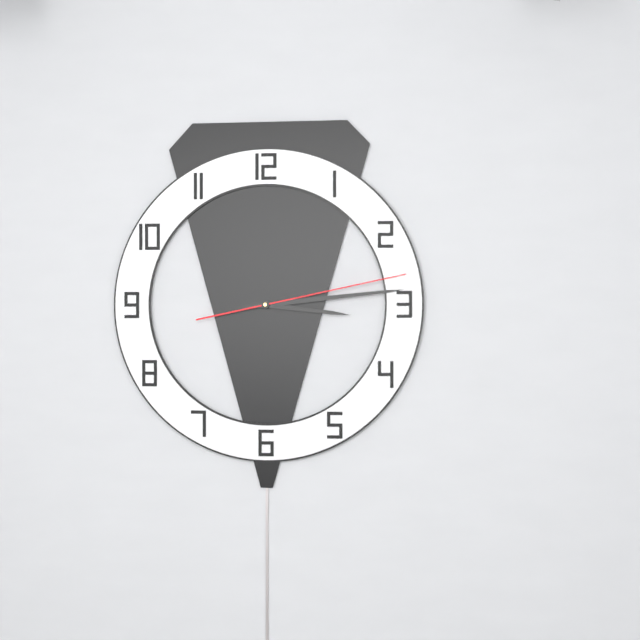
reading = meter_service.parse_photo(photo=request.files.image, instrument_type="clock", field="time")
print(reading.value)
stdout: 3:14:13
